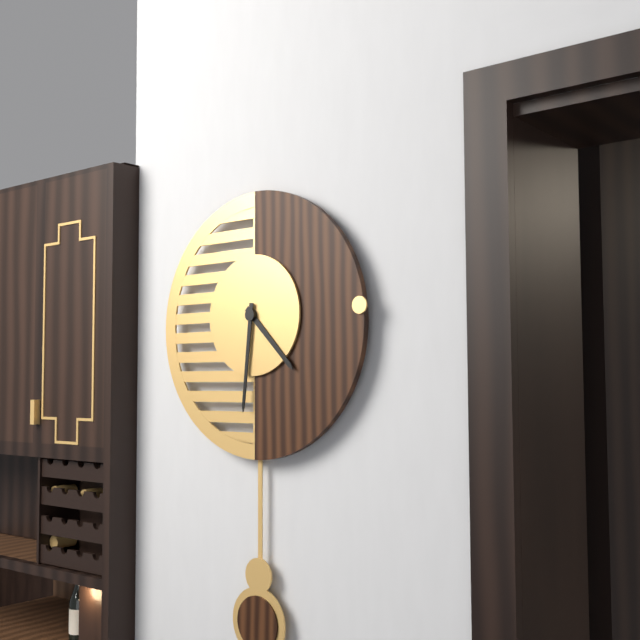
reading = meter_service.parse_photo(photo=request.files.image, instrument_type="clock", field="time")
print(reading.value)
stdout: 4:31
